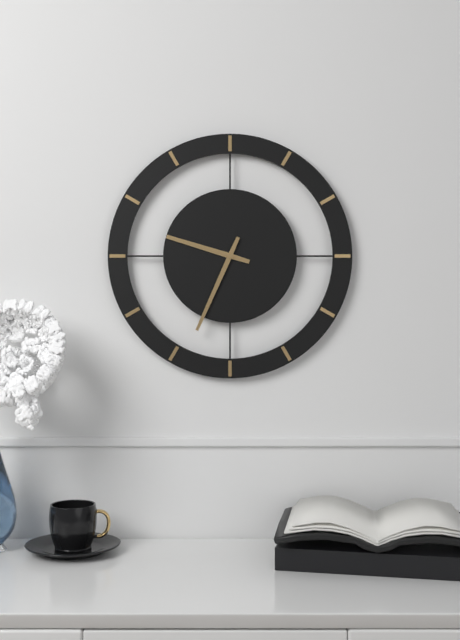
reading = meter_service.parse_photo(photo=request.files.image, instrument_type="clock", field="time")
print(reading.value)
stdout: 9:34
